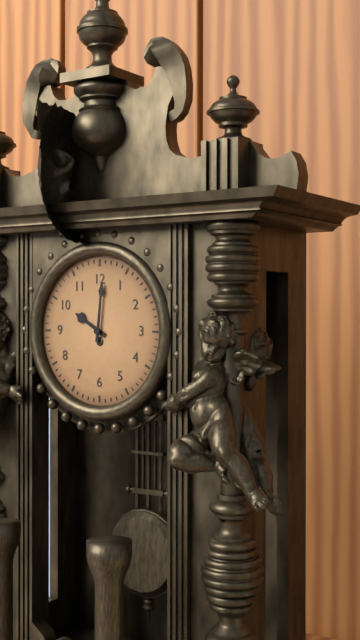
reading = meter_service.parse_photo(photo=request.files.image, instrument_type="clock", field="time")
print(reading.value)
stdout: 10:01
